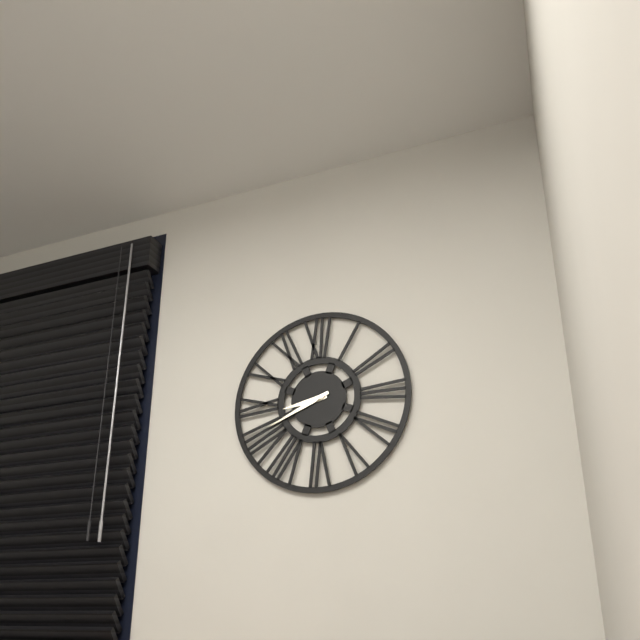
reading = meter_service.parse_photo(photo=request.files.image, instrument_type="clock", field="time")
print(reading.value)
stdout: 8:41
